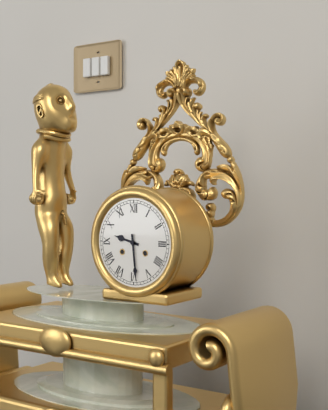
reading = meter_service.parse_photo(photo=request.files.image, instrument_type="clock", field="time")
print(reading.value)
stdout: 9:29
